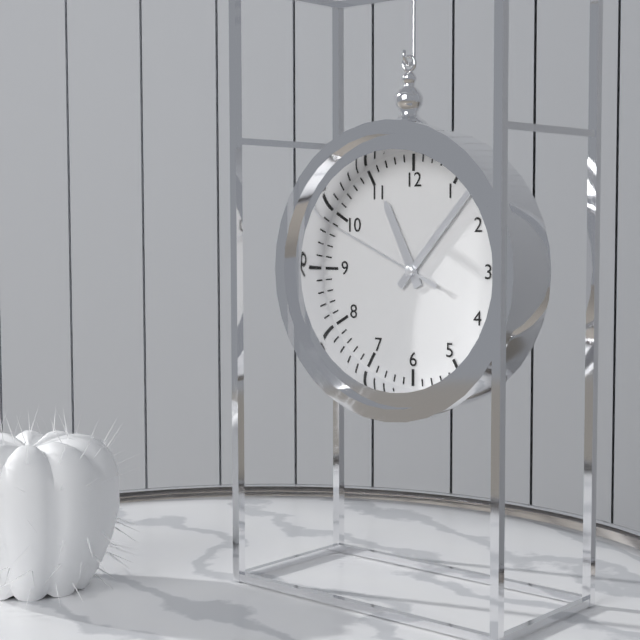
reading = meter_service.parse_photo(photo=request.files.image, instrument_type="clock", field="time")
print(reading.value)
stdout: 11:07:49
